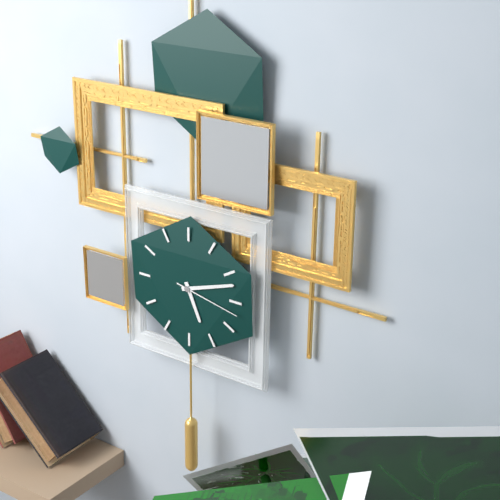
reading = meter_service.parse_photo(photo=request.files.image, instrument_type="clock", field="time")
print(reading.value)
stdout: 5:12:17
